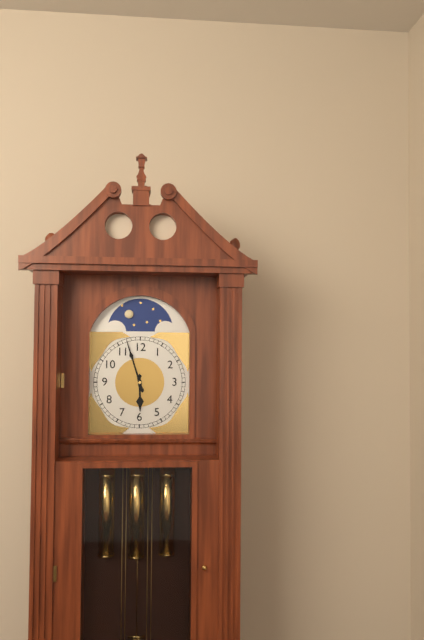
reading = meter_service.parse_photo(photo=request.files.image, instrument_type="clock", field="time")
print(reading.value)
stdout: 5:57
